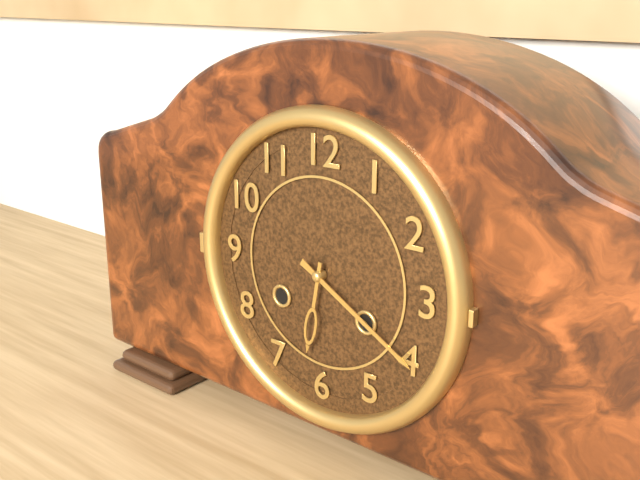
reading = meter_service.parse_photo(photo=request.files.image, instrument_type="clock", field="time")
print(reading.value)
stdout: 6:20
